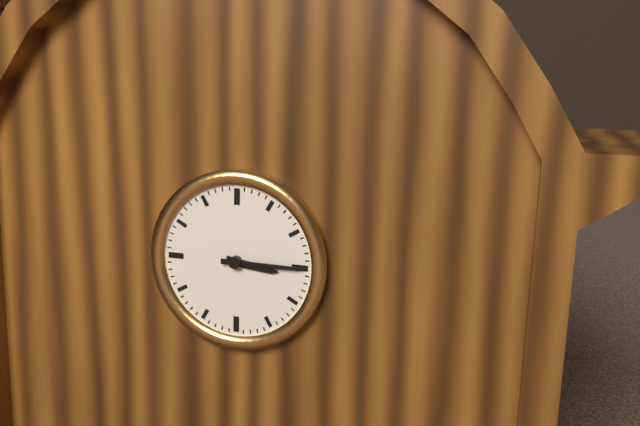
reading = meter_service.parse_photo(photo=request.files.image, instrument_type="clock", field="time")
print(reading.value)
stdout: 3:15
